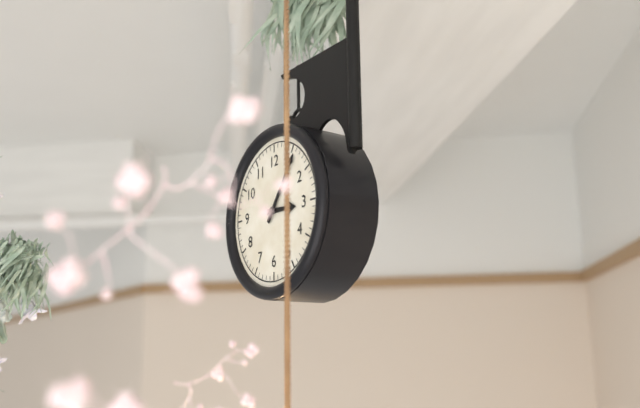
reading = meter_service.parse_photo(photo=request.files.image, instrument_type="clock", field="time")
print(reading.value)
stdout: 3:06
